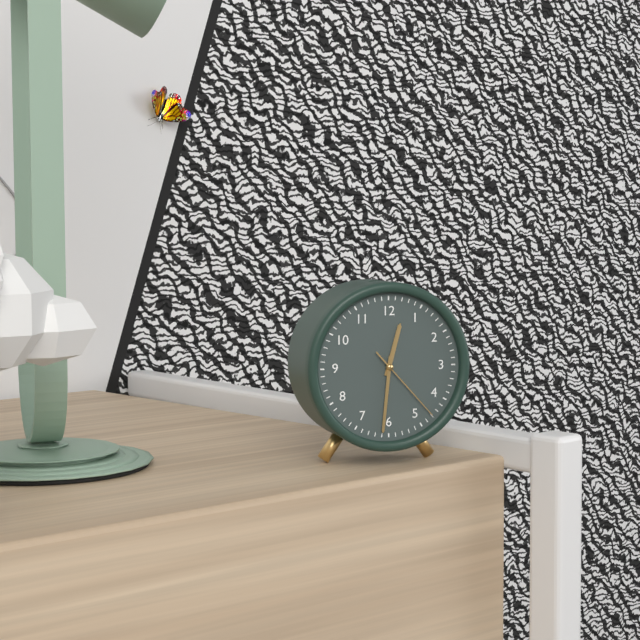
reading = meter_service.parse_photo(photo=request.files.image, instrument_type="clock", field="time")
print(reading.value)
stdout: 12:31:23
